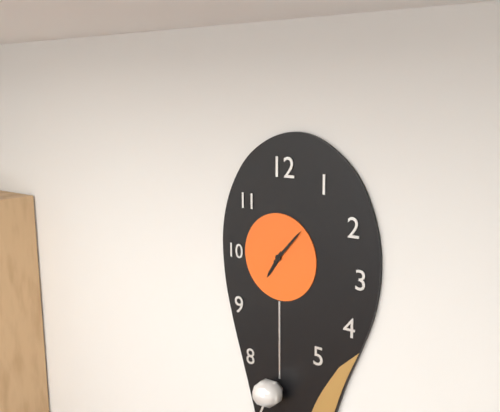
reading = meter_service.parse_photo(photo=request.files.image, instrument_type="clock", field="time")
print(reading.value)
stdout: 7:07
